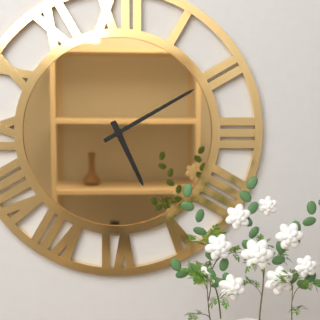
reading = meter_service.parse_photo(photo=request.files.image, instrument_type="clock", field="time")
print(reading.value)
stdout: 5:10
